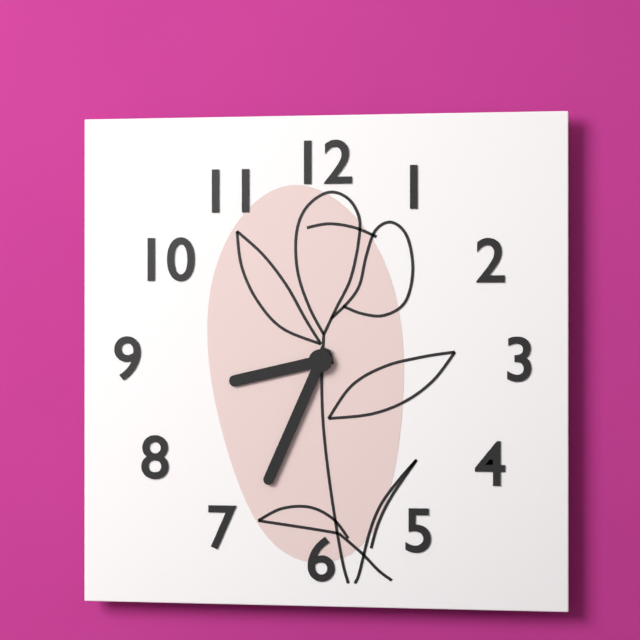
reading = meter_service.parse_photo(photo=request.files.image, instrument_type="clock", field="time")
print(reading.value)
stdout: 8:34
